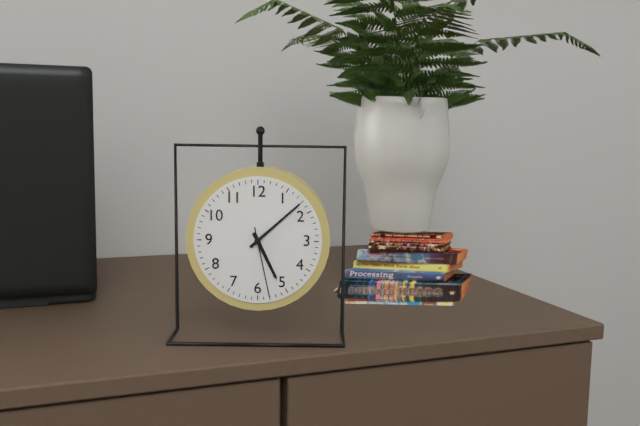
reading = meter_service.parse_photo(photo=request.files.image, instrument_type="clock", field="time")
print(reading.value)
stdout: 5:08:28
